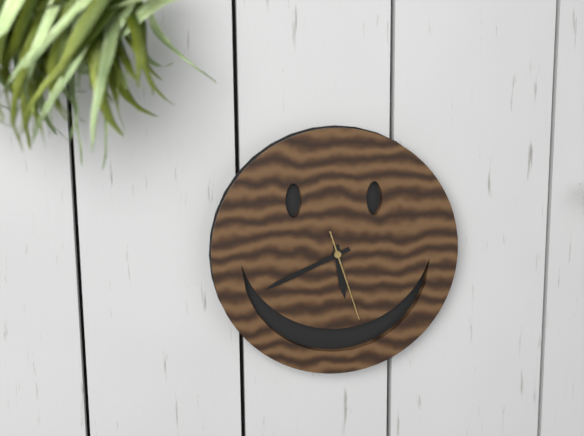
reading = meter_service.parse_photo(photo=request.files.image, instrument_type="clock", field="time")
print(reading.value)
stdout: 5:41:27
